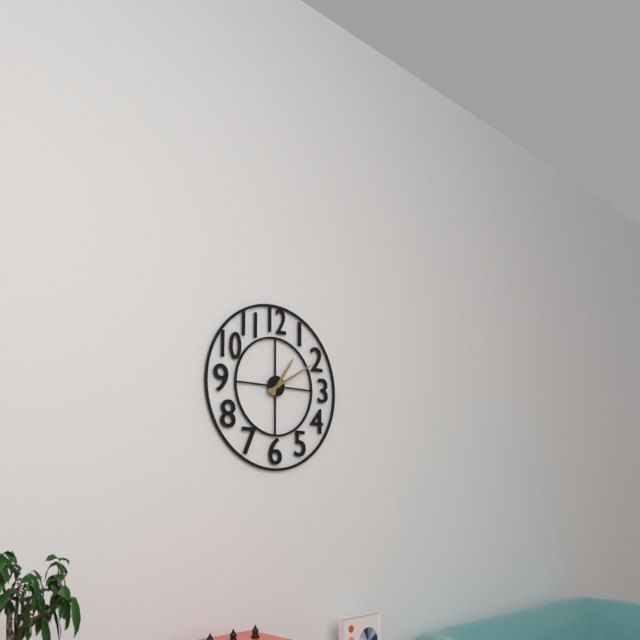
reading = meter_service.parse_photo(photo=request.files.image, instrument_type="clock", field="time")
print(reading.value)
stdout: 1:10
